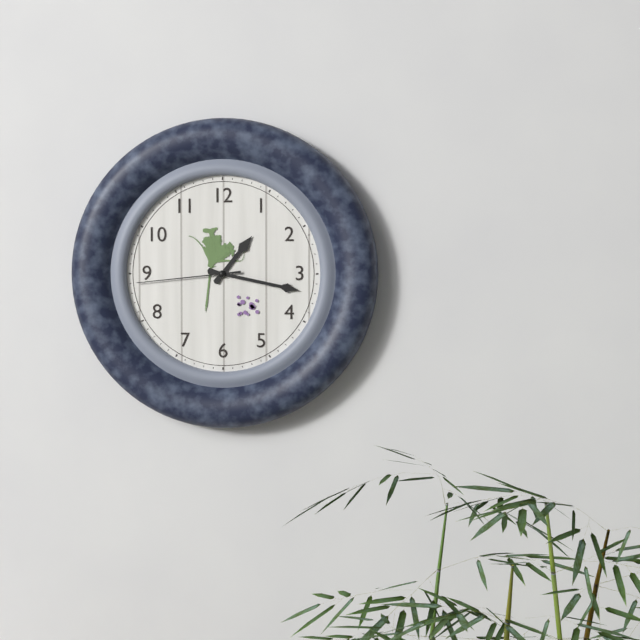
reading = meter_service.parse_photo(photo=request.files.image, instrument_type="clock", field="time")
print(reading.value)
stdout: 1:17:44
